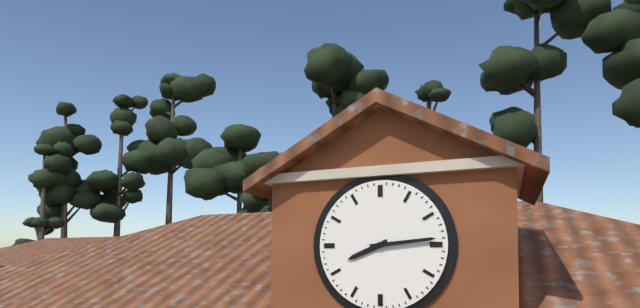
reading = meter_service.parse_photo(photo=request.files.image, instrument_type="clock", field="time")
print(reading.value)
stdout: 8:14
